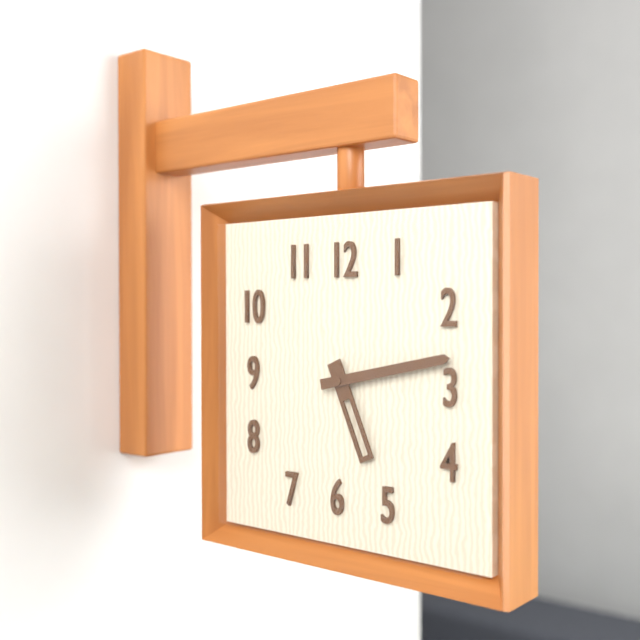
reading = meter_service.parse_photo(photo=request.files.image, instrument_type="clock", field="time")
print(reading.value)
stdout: 5:13
